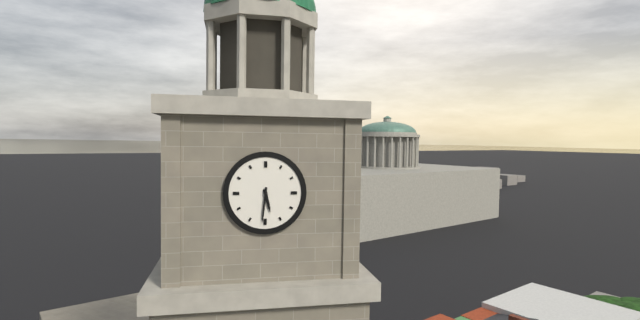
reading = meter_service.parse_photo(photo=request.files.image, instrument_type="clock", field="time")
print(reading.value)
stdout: 5:31
